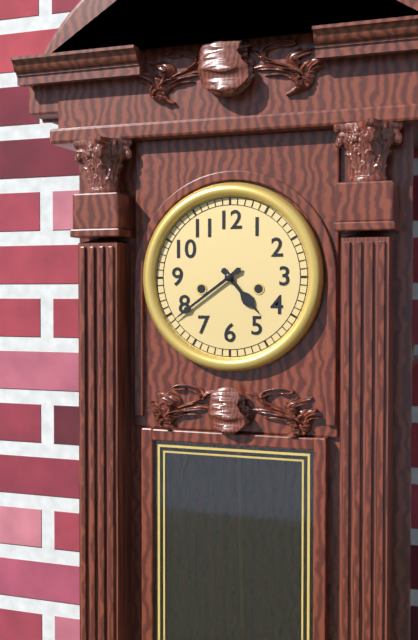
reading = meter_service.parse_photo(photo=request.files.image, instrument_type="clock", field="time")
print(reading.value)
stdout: 4:39
